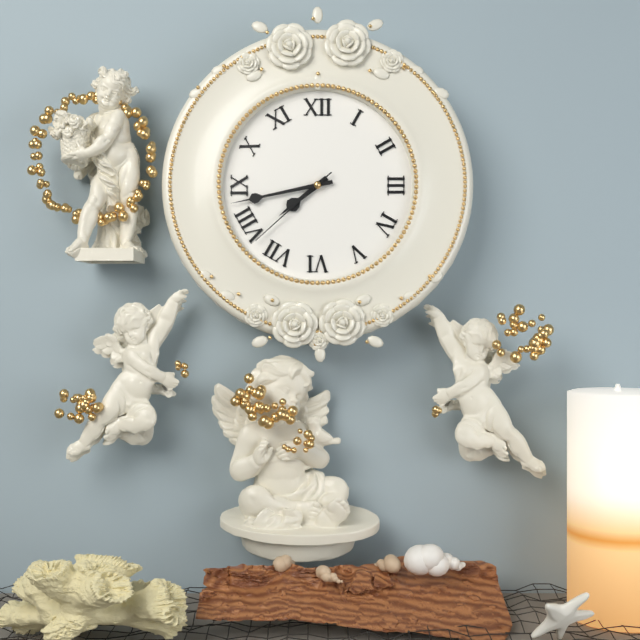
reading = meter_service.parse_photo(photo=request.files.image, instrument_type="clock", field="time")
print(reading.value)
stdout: 7:43:38
